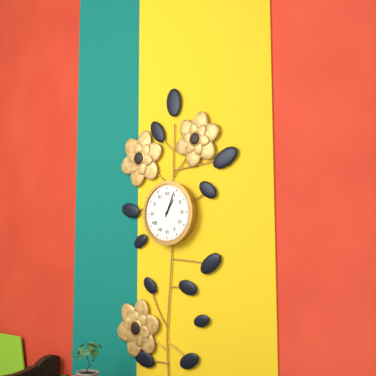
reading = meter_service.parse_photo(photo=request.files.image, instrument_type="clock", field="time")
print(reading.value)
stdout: 1:04
